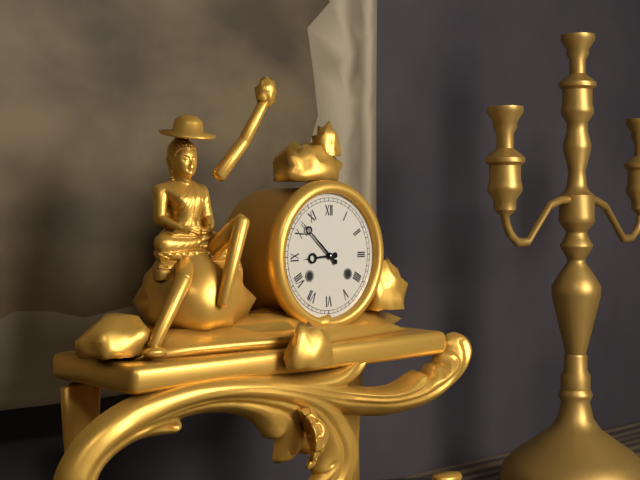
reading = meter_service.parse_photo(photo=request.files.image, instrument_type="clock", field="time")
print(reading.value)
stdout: 8:52
